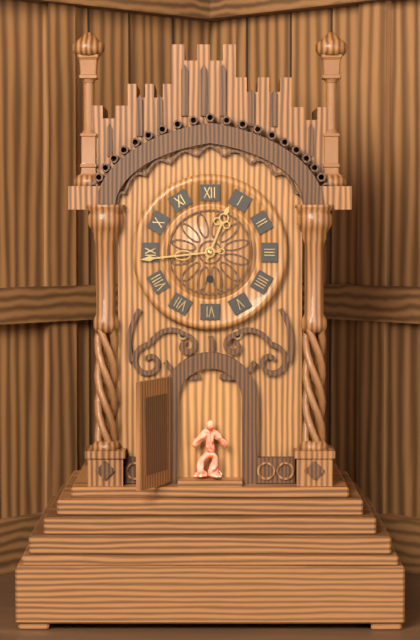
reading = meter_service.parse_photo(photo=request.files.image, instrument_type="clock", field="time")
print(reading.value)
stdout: 12:44
